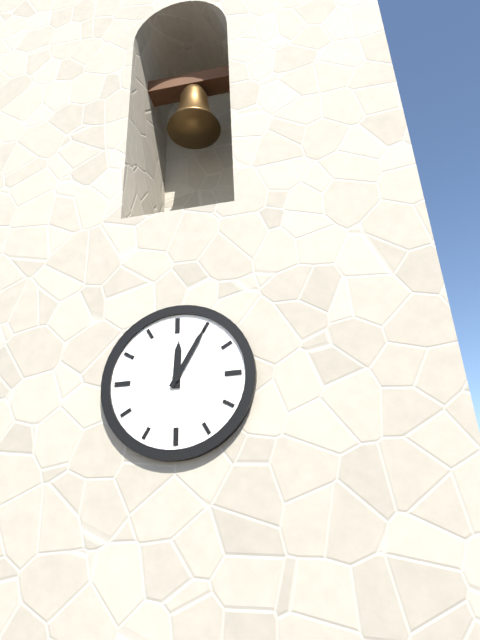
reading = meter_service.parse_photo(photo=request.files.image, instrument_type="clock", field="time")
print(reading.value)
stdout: 12:05
